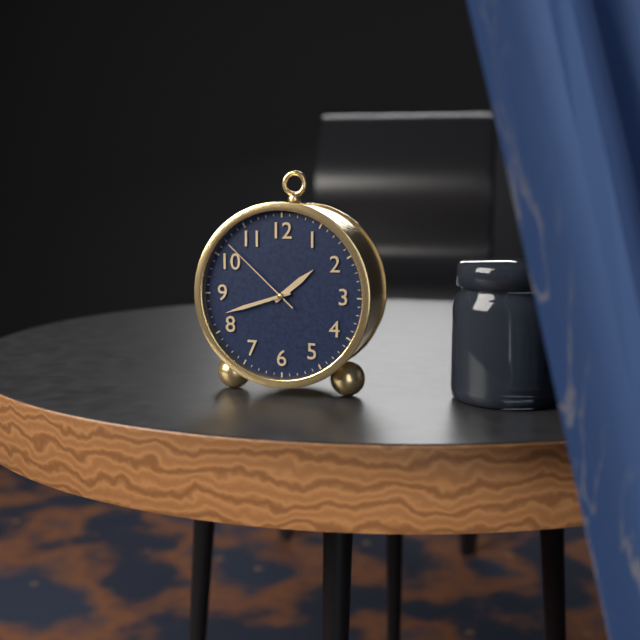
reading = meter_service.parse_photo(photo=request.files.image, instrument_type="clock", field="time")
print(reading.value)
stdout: 1:42:52
